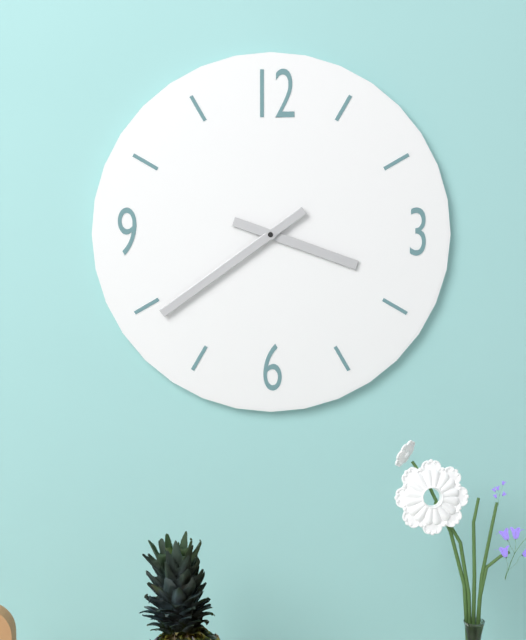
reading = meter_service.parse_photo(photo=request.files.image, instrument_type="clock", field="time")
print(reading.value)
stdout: 3:39
